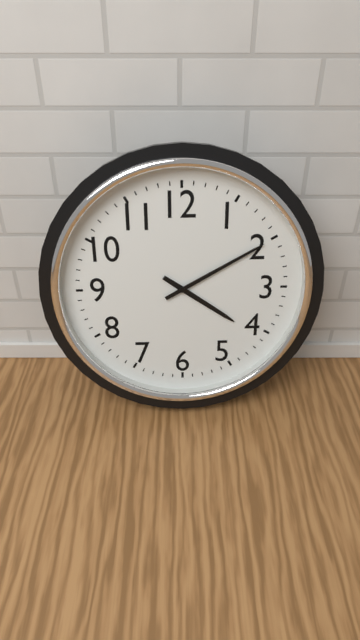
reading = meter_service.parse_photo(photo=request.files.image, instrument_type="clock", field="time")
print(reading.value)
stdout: 4:10
